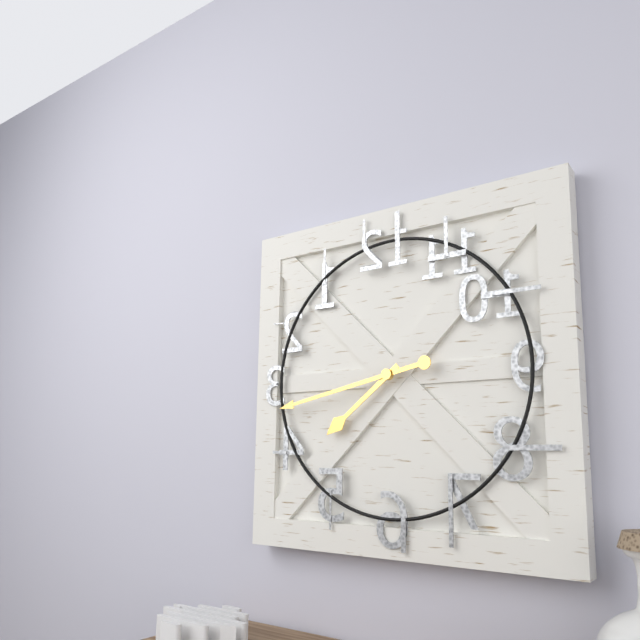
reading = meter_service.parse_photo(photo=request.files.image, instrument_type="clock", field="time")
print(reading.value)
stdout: 7:43
